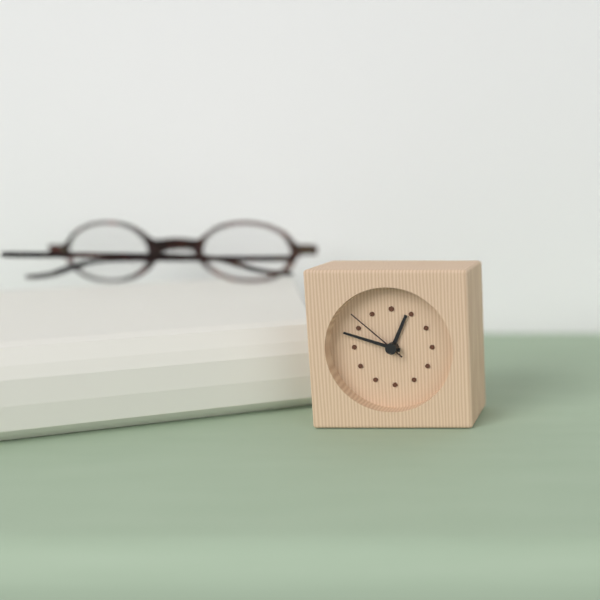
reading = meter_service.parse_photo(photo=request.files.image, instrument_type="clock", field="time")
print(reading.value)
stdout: 12:48:52
